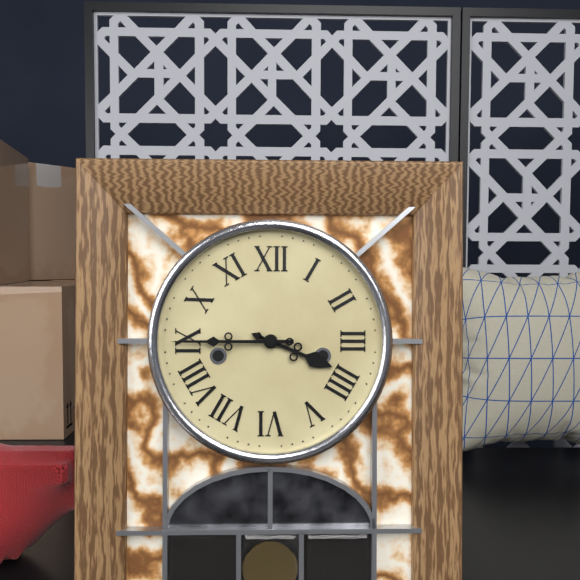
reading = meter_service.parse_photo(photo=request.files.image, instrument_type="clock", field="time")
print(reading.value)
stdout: 3:45
